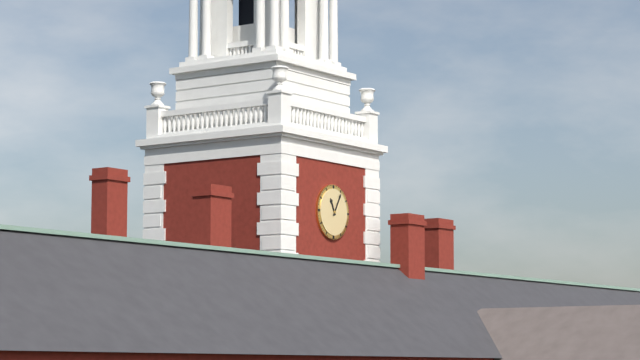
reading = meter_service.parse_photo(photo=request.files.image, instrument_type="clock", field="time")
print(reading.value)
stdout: 11:05
